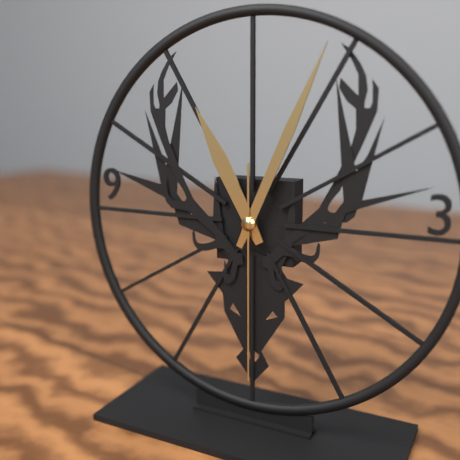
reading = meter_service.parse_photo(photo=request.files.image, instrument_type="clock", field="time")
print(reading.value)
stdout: 11:04:30
